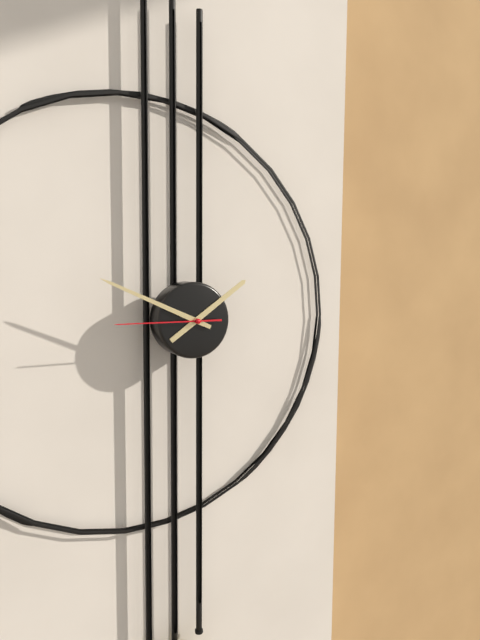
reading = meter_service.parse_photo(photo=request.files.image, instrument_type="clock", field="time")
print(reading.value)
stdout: 1:49:45
